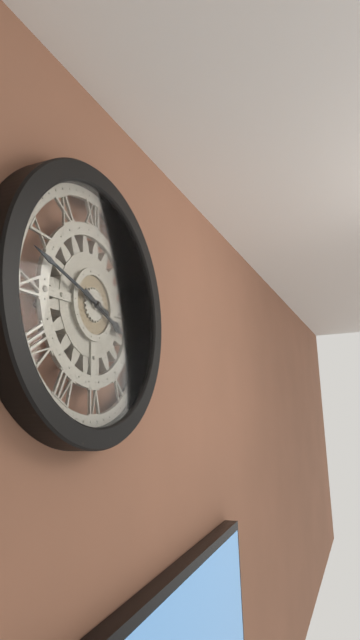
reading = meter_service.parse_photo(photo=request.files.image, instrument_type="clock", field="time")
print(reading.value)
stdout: 3:48
